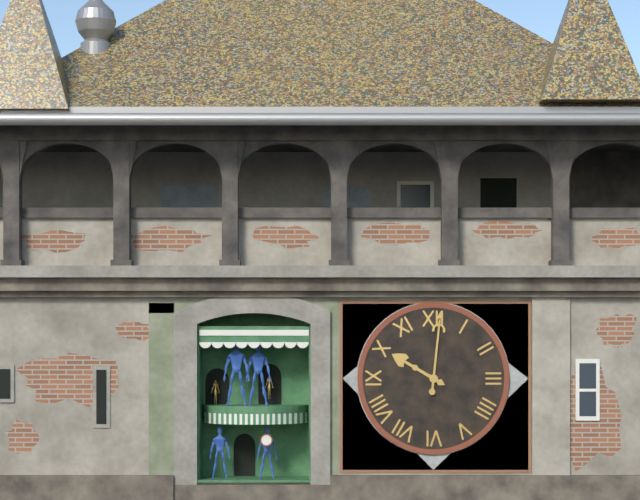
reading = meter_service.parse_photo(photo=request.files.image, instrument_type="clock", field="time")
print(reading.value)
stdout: 10:01
